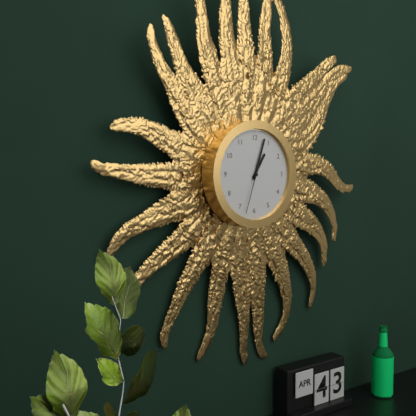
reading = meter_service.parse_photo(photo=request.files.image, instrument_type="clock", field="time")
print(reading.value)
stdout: 1:03:33
